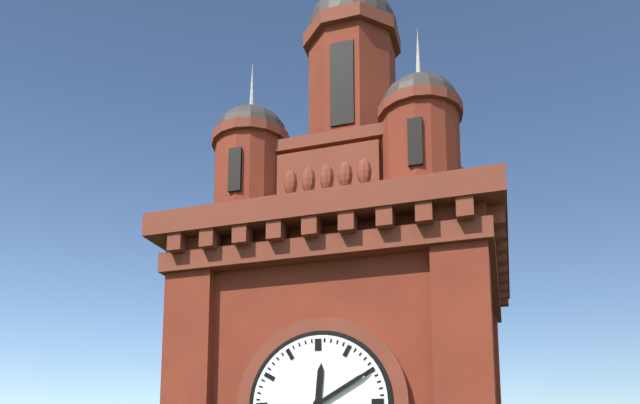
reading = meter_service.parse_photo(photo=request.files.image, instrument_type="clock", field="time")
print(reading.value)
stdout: 12:10
